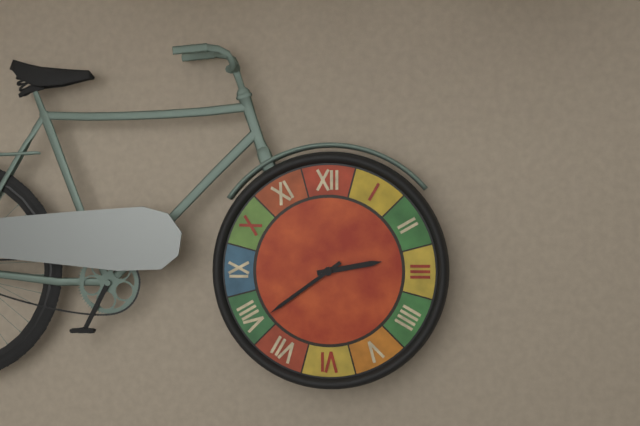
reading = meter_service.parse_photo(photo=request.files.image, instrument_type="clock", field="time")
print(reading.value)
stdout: 2:39
